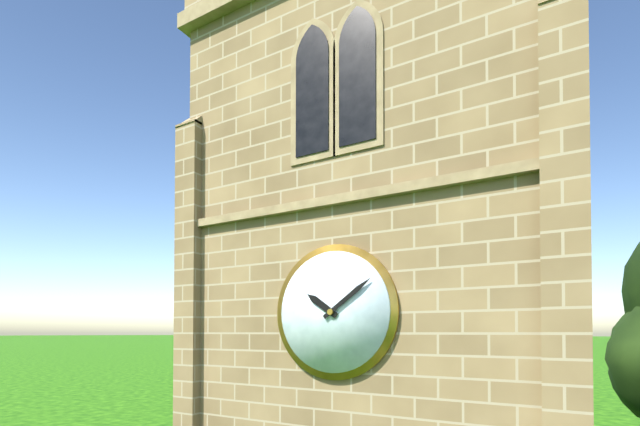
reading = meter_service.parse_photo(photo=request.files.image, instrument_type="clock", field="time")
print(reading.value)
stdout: 10:09
